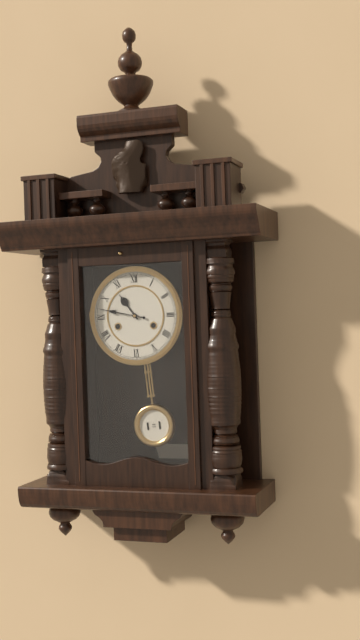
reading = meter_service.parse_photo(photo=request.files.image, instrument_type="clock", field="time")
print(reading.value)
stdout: 10:47
